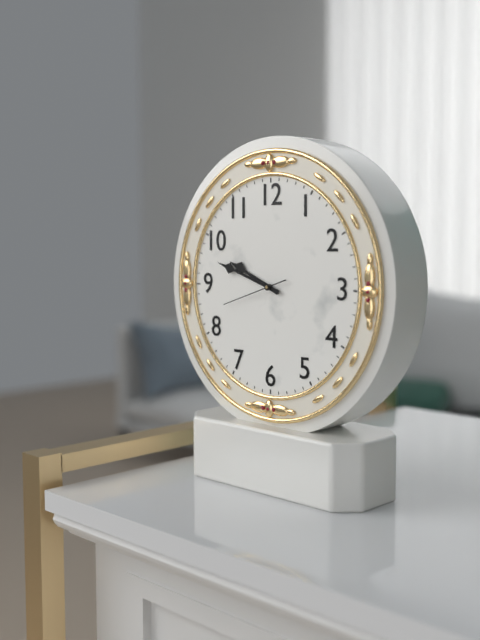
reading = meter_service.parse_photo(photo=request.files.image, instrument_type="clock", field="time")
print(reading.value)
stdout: 9:48:42
